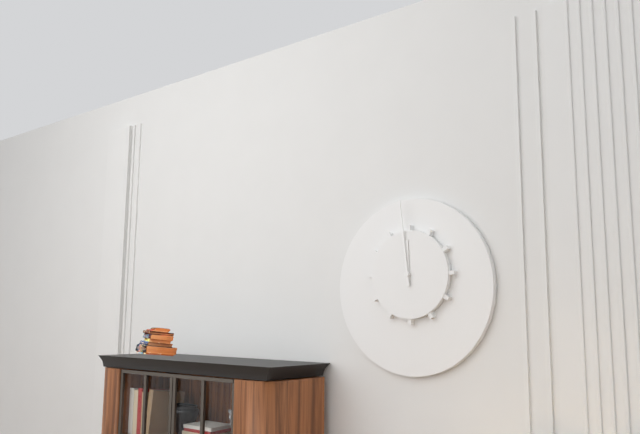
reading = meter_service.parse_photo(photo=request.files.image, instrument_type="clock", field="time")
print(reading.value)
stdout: 11:59
